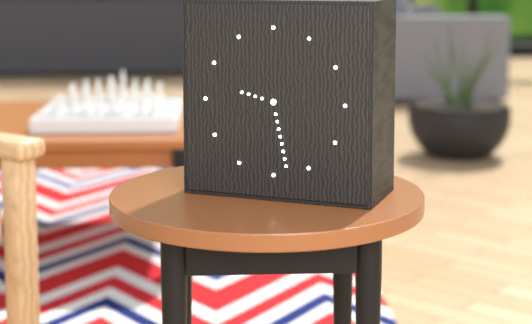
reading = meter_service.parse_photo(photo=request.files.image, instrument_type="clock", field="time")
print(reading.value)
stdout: 9:28
